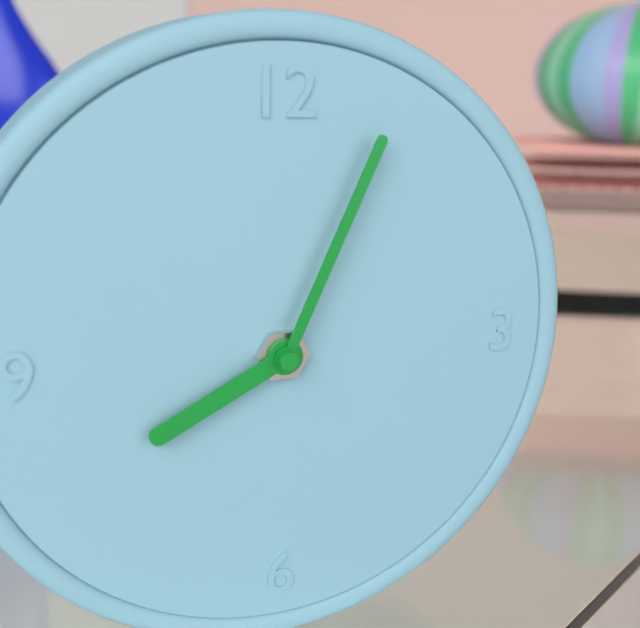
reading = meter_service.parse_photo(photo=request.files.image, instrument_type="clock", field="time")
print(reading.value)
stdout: 8:04
